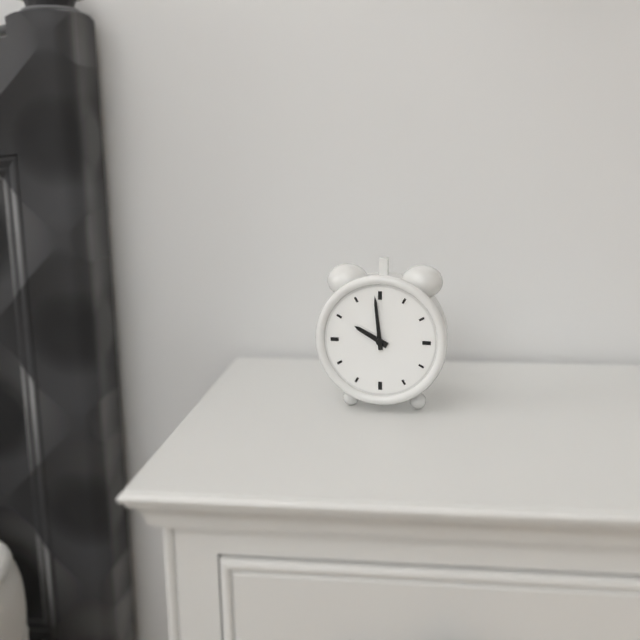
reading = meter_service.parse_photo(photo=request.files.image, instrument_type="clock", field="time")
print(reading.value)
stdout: 9:59
